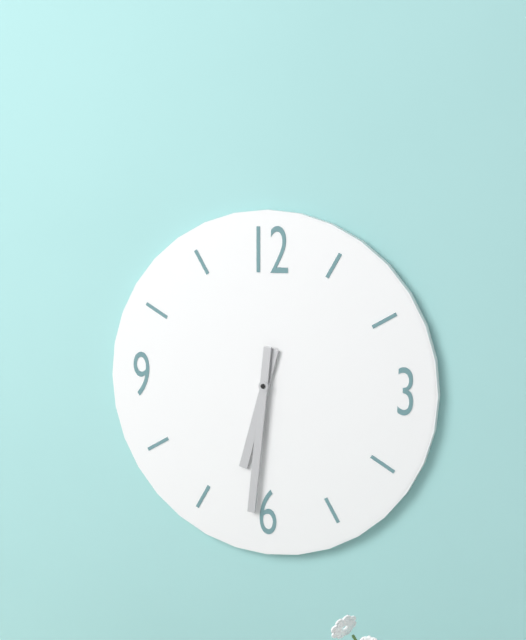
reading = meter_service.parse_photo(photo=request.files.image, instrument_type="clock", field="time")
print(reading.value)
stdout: 6:31
